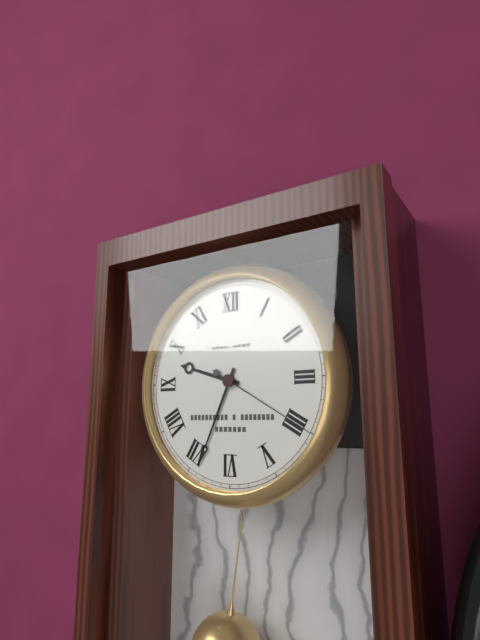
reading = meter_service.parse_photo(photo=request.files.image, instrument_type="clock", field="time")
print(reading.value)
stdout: 9:34:20
